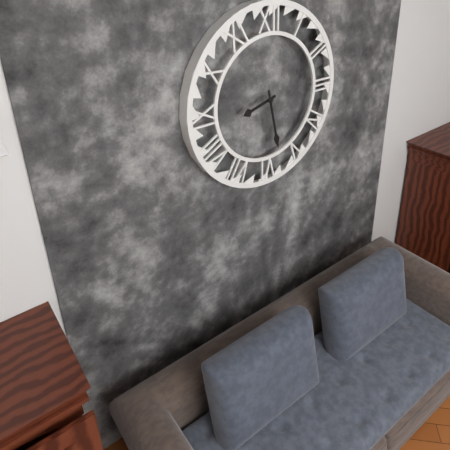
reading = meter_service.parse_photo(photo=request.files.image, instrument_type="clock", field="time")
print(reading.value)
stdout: 8:28
